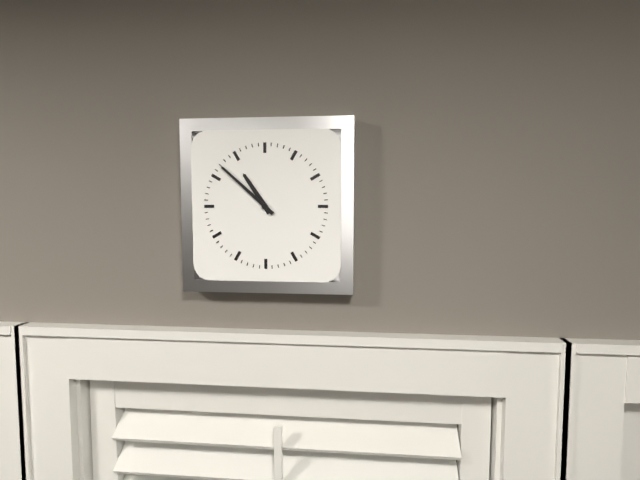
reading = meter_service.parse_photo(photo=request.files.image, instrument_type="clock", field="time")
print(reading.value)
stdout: 10:52
